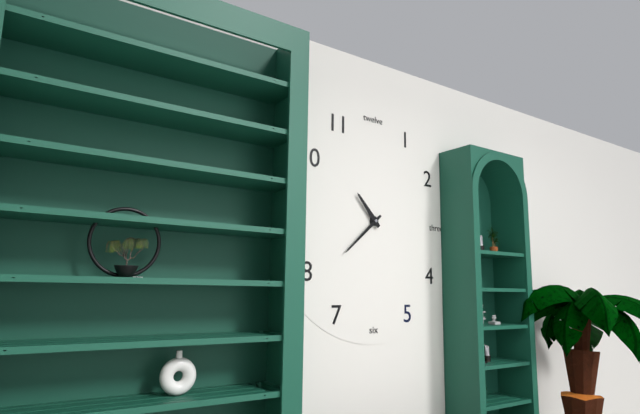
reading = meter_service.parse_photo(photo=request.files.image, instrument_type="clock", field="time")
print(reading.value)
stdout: 10:38
